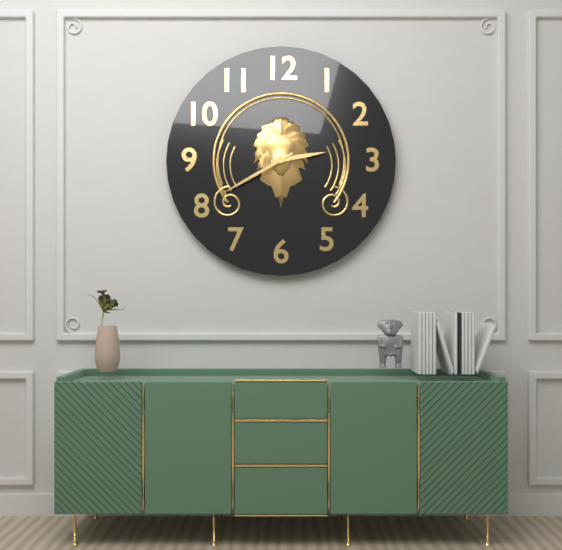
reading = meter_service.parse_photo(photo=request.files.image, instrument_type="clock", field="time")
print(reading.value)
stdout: 2:40
